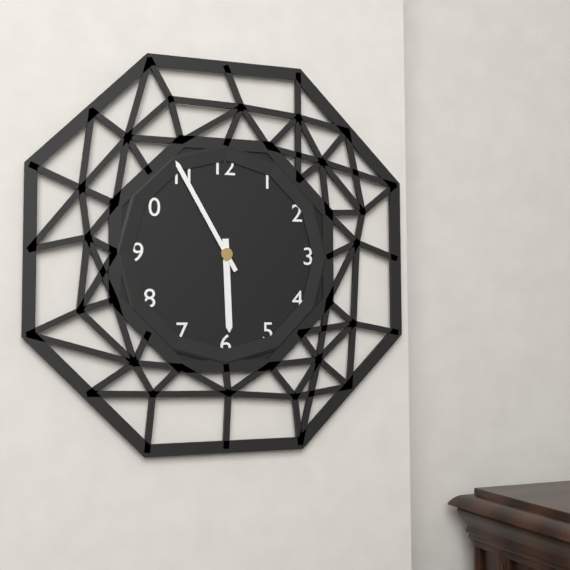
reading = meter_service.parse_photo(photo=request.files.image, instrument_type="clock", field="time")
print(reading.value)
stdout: 5:55
